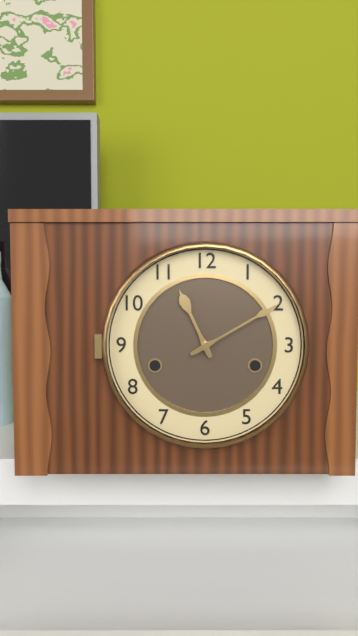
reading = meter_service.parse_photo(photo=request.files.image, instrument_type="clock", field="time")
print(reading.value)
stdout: 11:10
